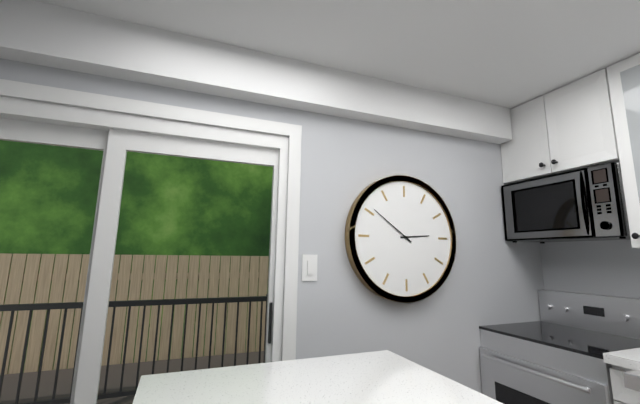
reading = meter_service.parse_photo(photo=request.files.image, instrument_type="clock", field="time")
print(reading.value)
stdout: 2:51
